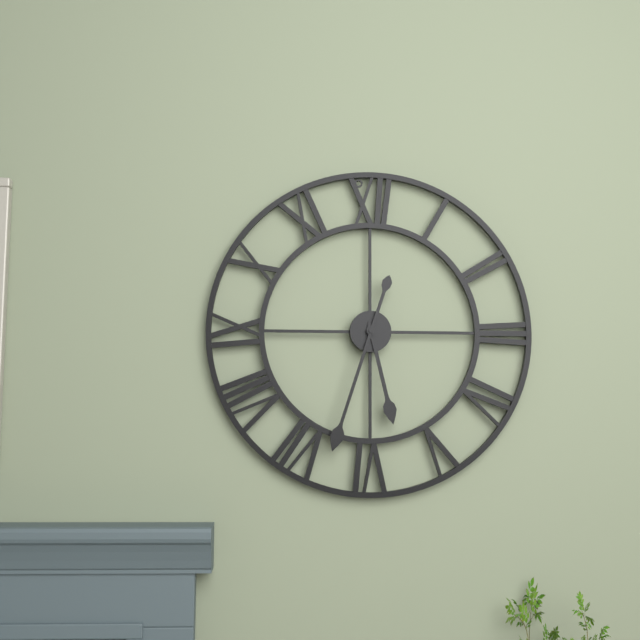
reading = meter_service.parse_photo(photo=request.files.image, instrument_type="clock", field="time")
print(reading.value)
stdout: 5:33
